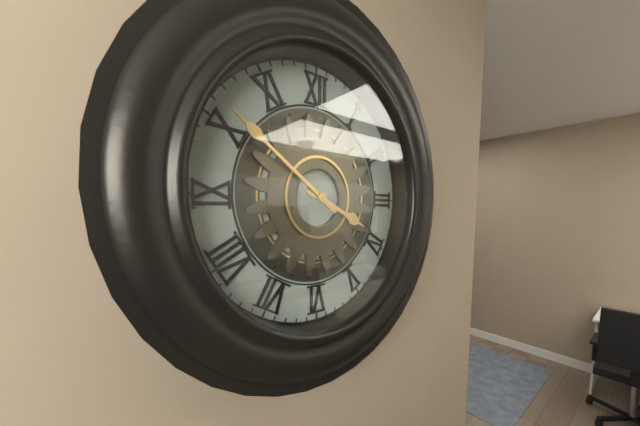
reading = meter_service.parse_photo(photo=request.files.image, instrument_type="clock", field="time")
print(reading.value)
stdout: 3:51
